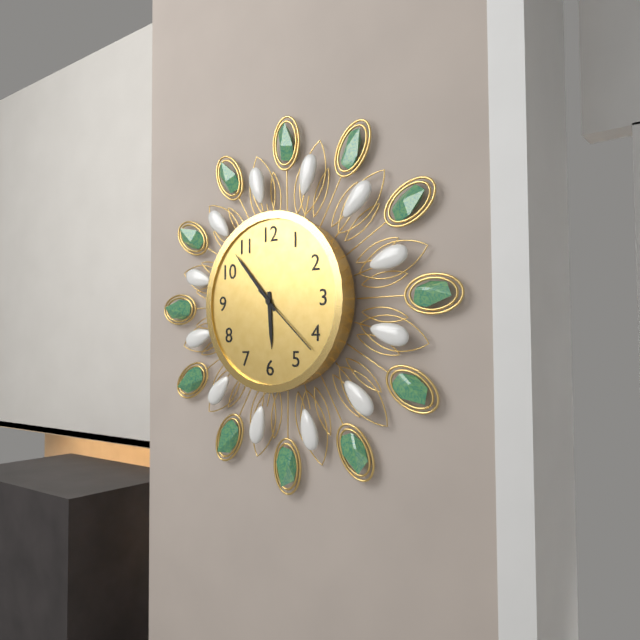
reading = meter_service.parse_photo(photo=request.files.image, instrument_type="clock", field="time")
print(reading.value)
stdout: 5:53:22
